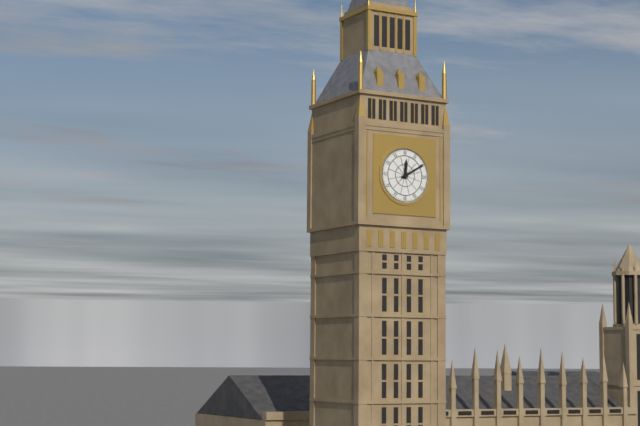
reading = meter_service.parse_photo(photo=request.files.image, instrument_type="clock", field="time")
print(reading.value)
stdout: 12:10
